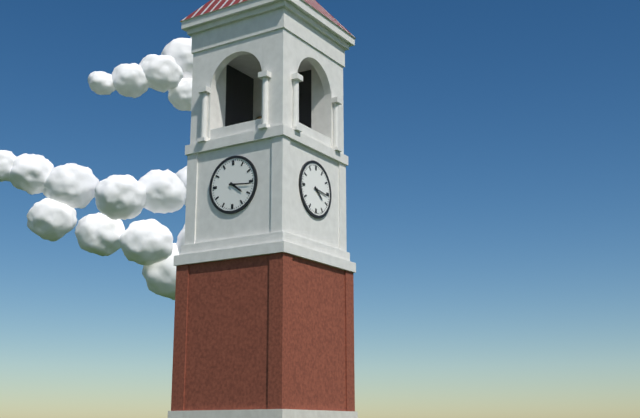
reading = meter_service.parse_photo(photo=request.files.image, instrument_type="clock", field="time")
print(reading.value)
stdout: 4:16
